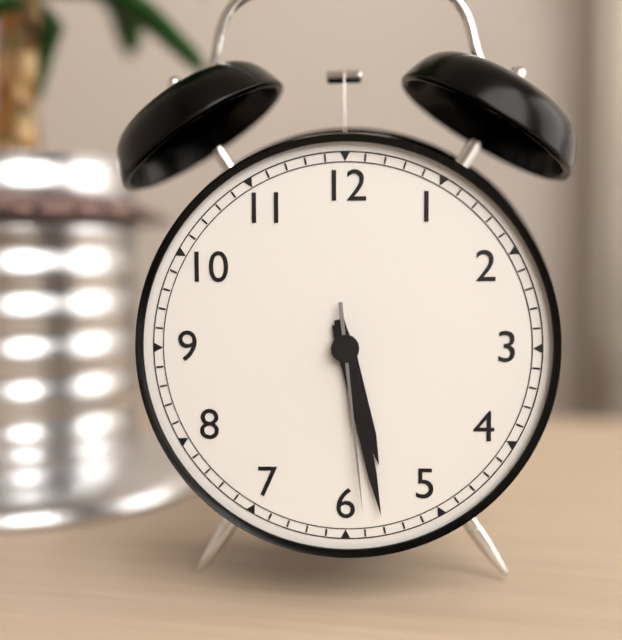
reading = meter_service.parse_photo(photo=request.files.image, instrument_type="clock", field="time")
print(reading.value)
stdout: 5:28:29
